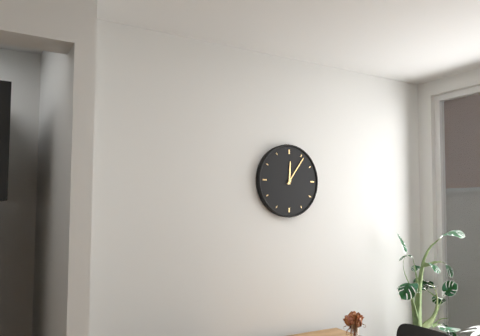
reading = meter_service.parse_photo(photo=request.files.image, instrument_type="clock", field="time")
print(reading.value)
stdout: 12:06
